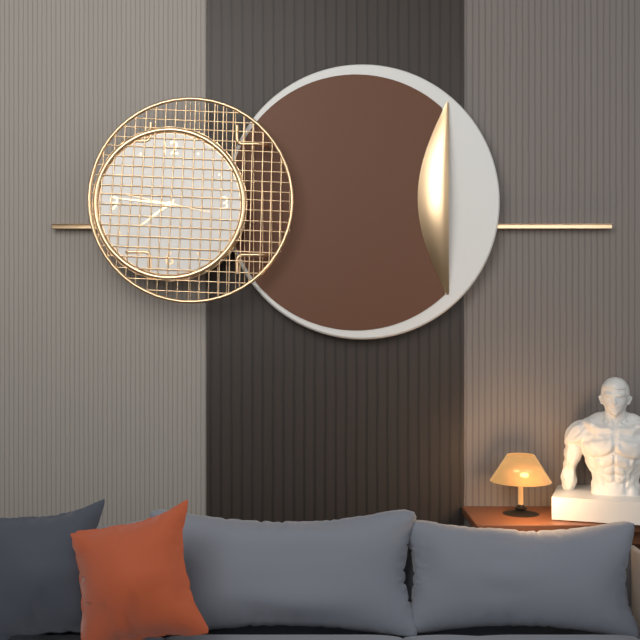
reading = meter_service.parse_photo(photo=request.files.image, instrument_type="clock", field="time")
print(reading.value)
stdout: 7:46:47
